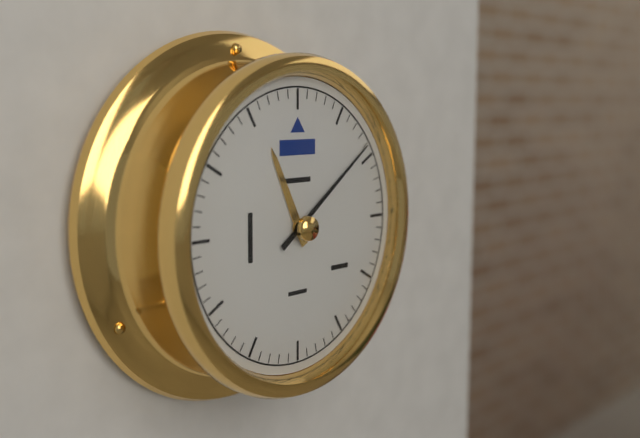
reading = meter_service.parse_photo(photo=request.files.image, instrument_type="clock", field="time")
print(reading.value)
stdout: 11:09
